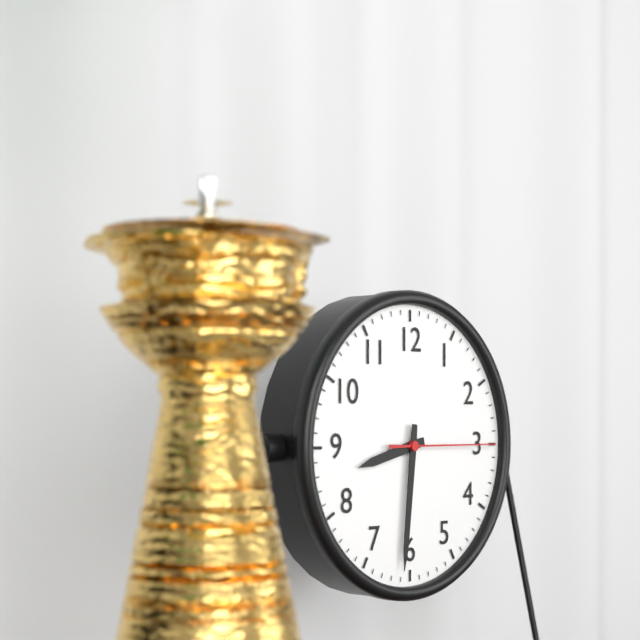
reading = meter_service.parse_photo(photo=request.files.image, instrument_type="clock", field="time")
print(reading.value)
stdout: 8:31:15
